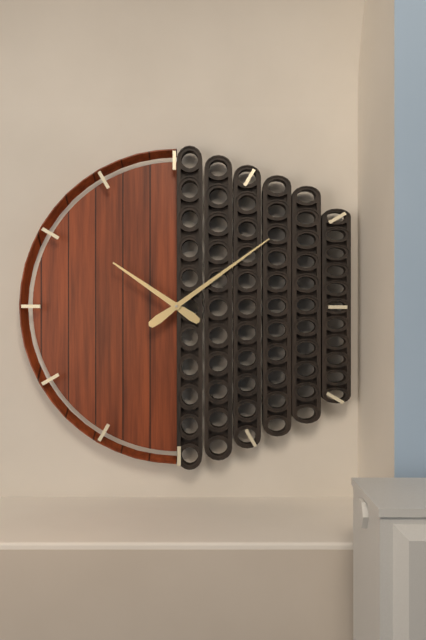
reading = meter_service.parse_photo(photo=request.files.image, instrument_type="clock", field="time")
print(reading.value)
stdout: 10:09
